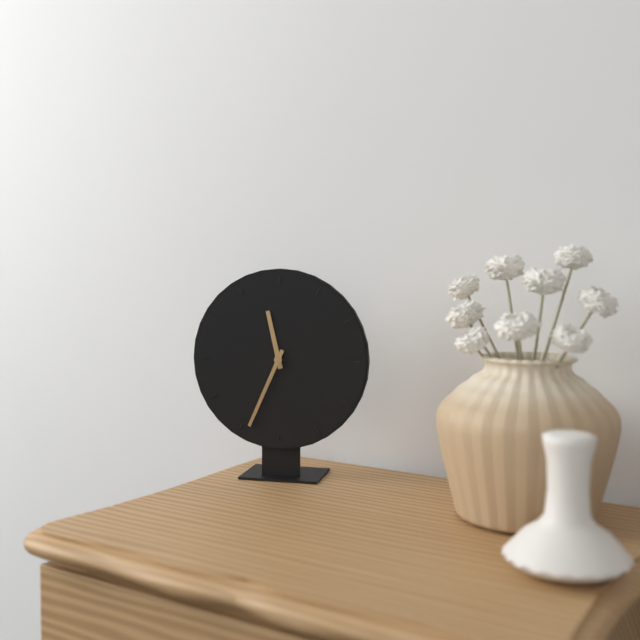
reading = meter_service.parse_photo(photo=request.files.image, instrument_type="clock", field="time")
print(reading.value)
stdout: 11:34
